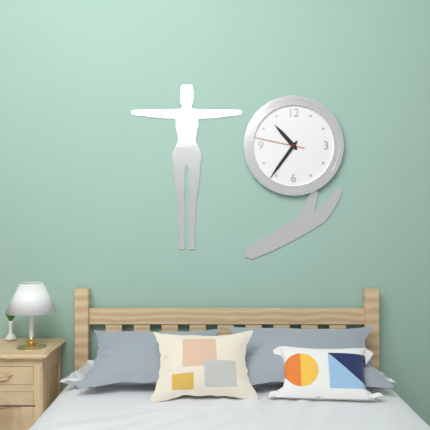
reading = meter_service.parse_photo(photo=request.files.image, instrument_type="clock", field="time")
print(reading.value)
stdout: 10:36:47
